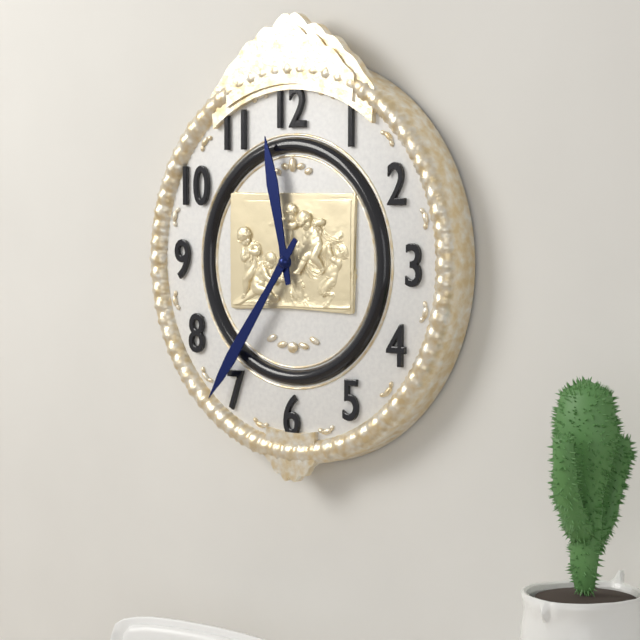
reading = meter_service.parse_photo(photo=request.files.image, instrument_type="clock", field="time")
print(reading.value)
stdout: 11:36
